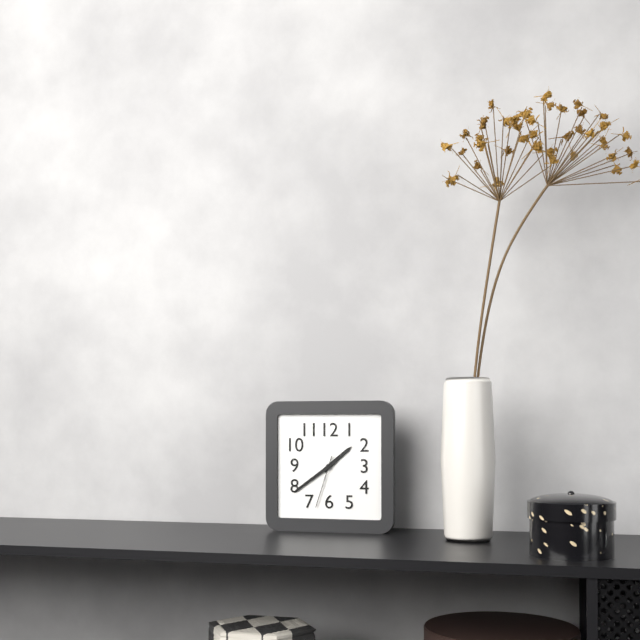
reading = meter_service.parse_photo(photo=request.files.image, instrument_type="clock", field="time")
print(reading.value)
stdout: 1:39:33
